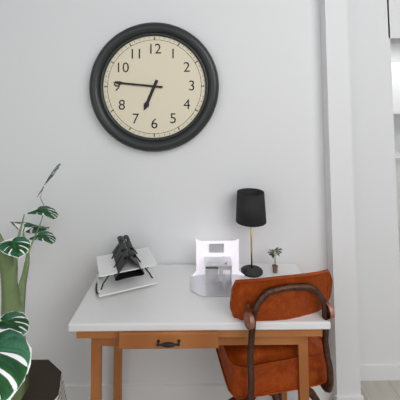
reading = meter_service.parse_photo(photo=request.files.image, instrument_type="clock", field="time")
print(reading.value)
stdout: 6:46
